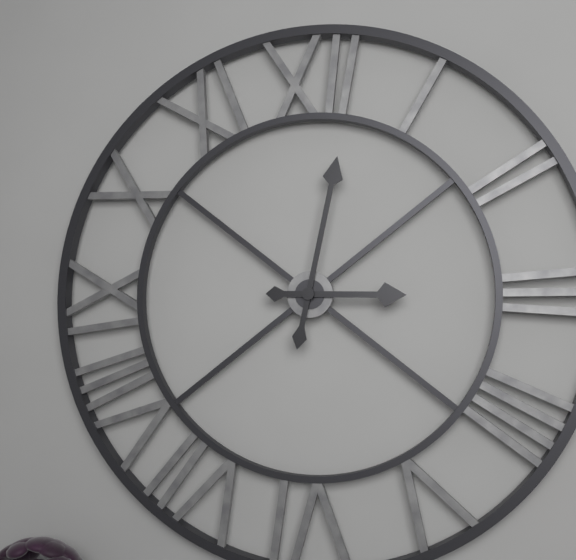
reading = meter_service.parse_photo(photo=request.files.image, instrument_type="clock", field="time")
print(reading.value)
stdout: 3:02
